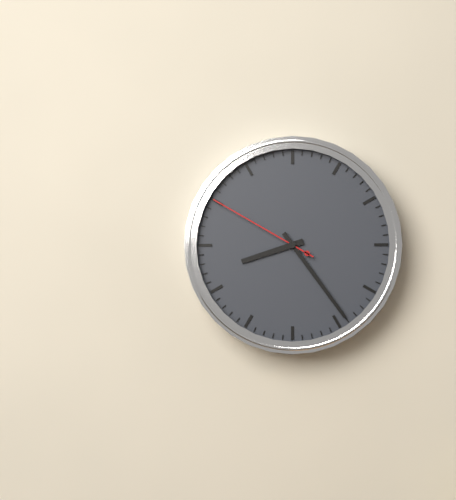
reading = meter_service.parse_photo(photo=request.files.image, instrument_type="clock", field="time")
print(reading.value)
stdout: 8:24:50
